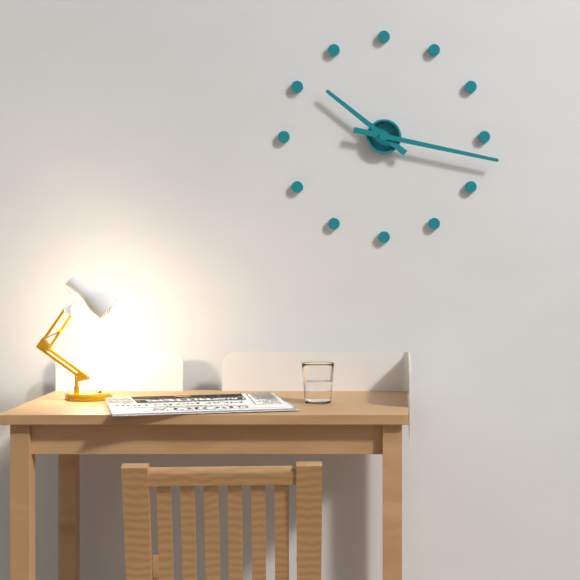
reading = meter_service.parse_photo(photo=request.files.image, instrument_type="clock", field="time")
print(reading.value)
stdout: 10:17
